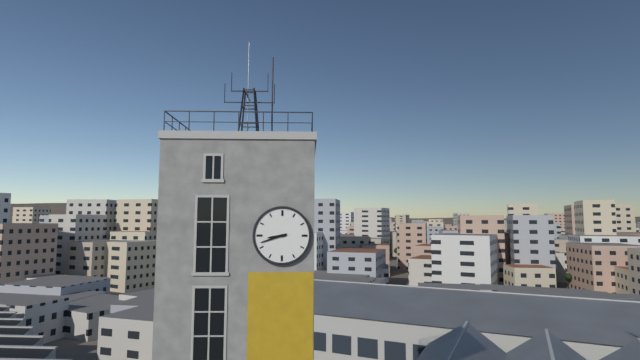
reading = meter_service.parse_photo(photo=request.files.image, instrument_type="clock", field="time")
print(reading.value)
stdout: 8:42
